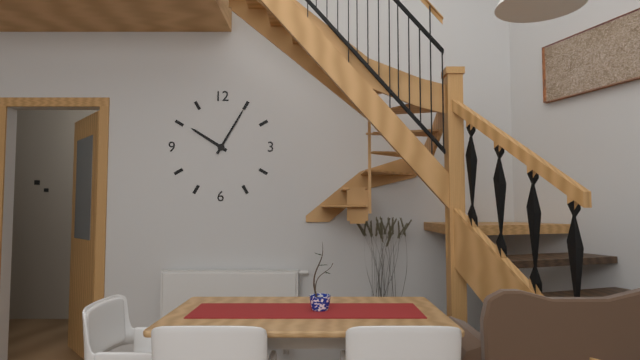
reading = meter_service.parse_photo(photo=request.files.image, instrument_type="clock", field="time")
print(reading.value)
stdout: 10:05
